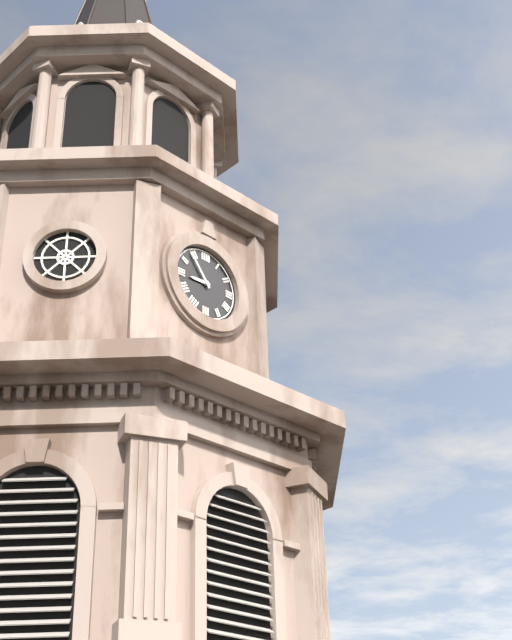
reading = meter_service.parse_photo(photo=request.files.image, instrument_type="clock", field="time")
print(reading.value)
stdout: 8:54
